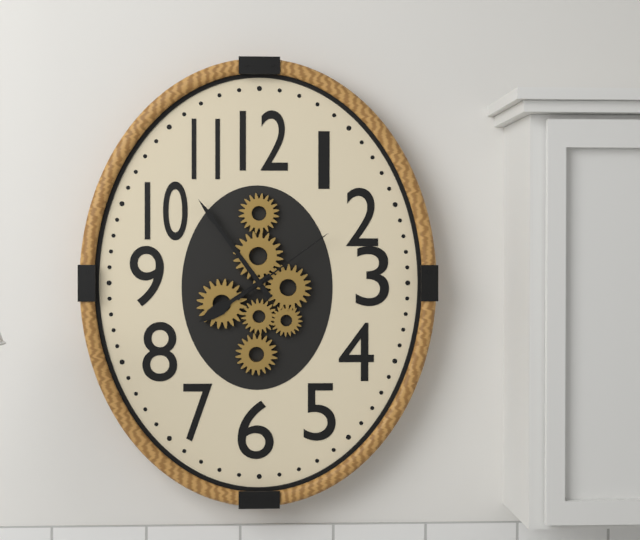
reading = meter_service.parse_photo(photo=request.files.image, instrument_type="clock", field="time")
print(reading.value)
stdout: 7:54:09
